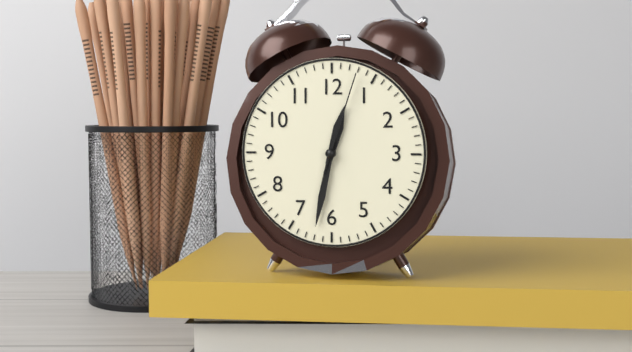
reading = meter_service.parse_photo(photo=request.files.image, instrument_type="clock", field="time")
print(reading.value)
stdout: 12:32:03
